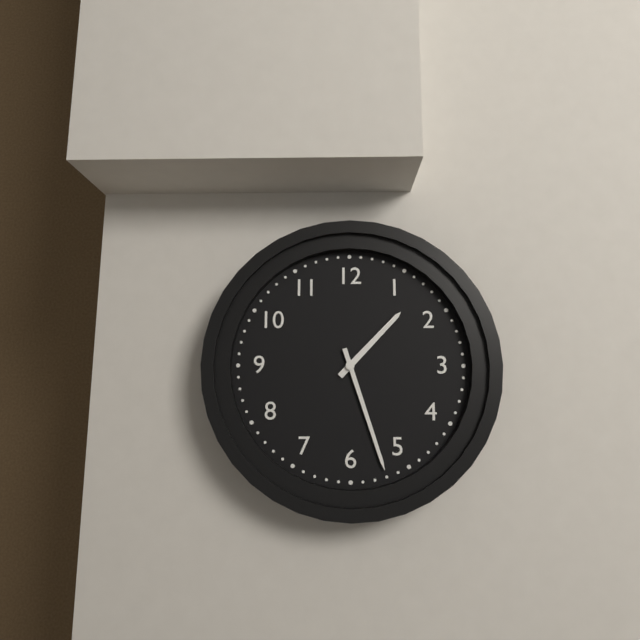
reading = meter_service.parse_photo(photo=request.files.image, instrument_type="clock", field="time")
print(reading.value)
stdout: 1:27
